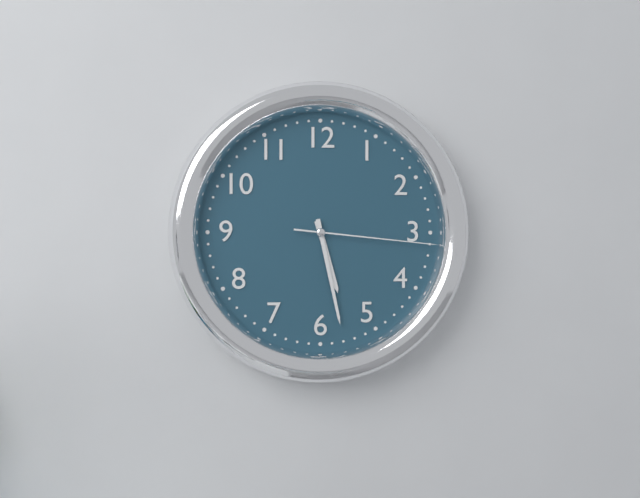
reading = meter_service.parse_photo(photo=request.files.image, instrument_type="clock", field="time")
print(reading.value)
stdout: 5:28:16
